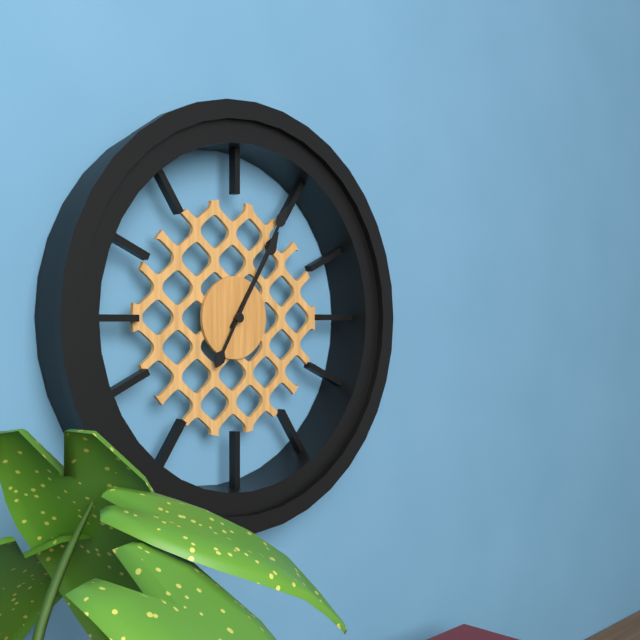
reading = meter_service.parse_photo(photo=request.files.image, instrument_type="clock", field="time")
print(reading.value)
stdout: 1:05
